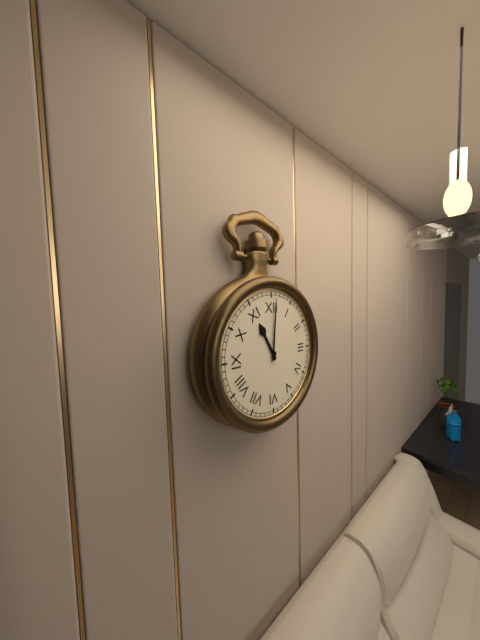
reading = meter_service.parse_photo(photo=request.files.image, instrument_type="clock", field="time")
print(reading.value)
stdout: 11:01
